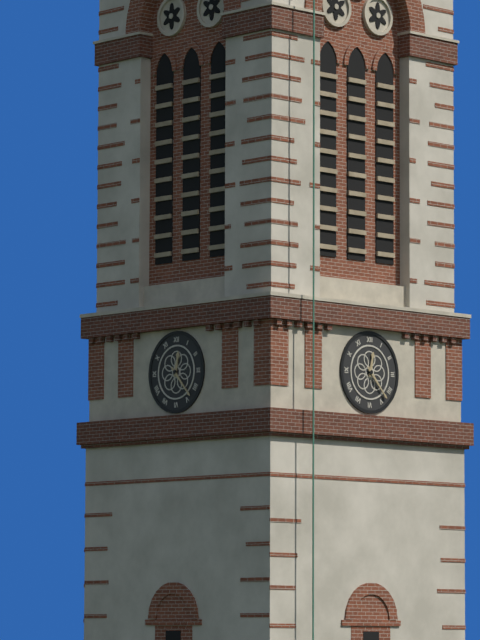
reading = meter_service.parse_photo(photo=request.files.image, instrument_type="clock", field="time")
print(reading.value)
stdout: 12:23
